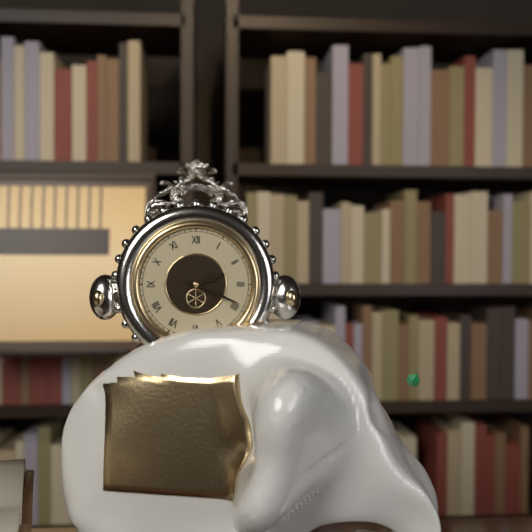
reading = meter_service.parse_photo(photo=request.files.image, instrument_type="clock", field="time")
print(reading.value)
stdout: 2:19
